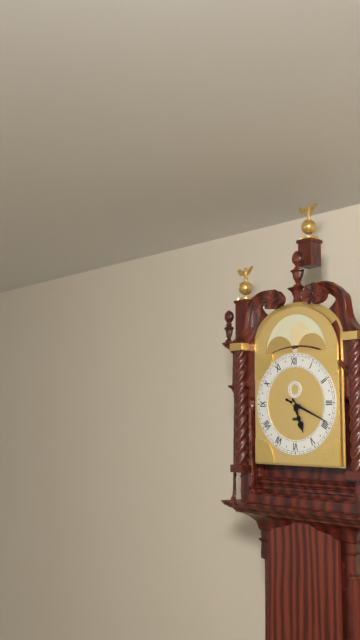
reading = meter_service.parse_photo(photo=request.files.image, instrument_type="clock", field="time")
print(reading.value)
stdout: 5:19
